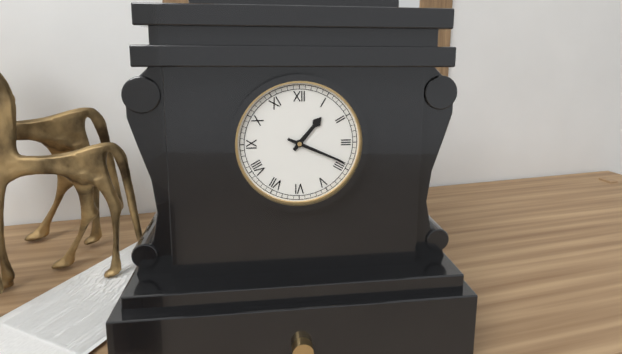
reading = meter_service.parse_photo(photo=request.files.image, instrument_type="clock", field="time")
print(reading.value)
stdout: 1:19
